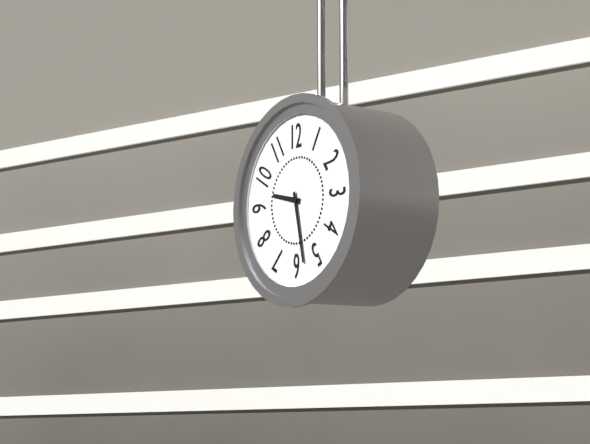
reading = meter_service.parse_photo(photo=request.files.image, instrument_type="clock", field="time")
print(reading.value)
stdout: 9:28
